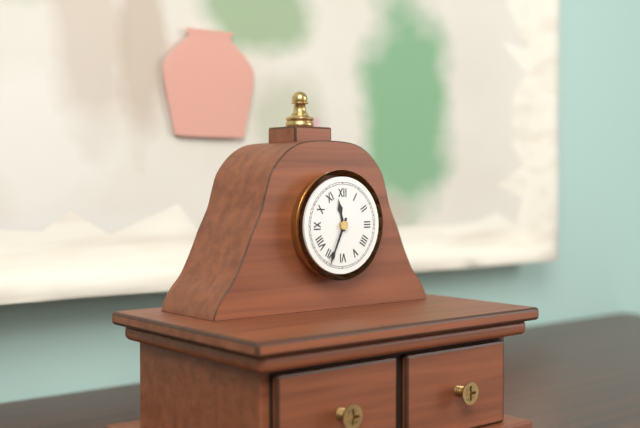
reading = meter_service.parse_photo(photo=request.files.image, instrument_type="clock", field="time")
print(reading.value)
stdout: 11:34
